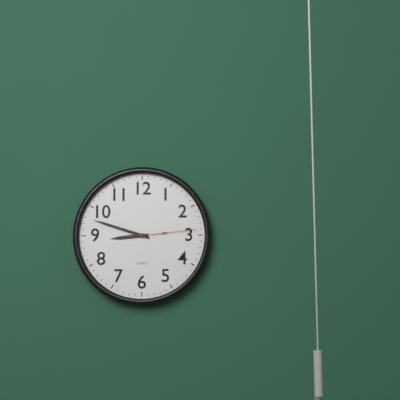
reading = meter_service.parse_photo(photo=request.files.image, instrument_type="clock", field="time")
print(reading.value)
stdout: 8:48:14
